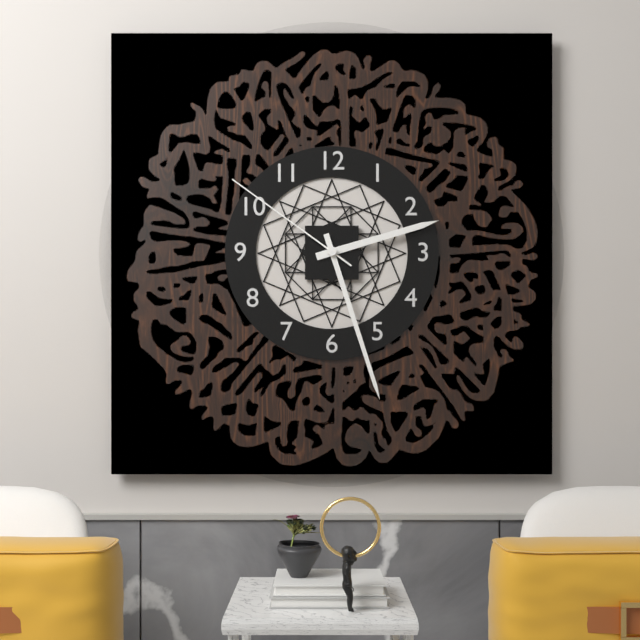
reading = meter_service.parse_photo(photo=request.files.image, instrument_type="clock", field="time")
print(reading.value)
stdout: 2:27:51
